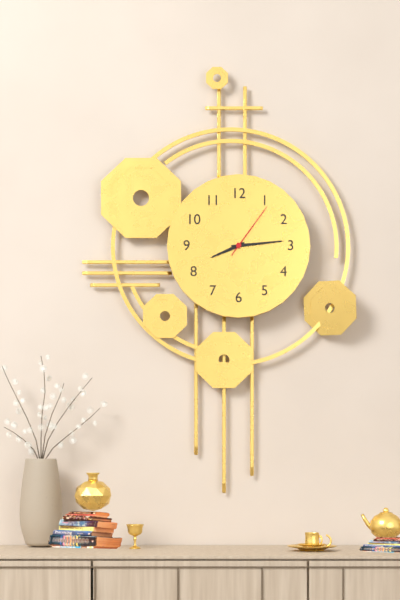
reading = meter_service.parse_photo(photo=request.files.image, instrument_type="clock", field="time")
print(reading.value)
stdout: 8:14:06
